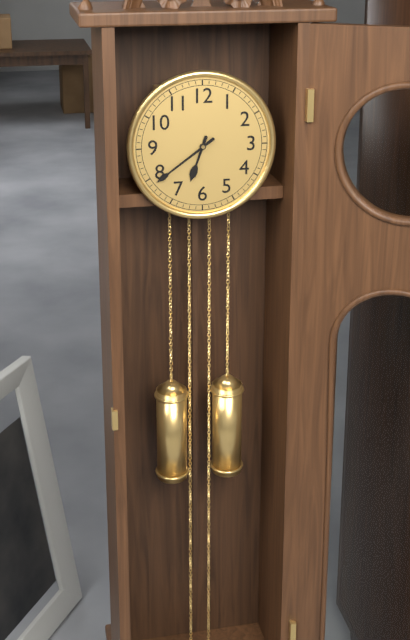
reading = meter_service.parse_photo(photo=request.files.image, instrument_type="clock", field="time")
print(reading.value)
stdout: 6:39
